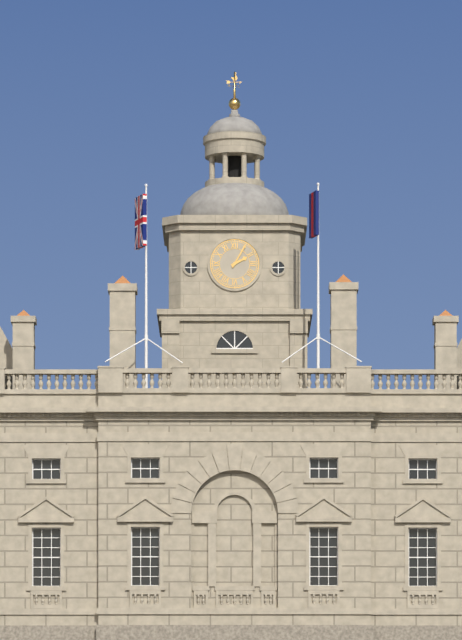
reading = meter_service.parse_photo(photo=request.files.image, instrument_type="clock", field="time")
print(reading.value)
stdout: 2:05
